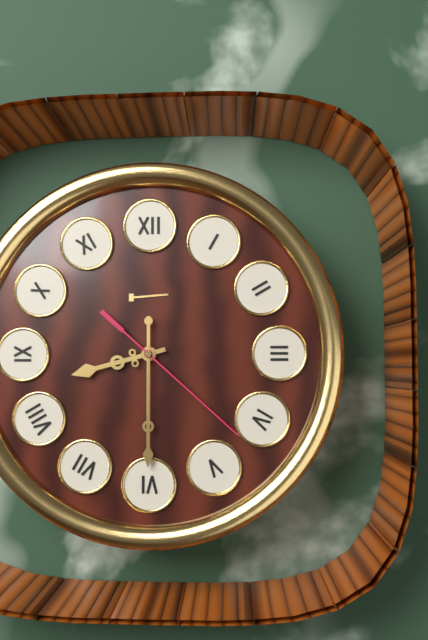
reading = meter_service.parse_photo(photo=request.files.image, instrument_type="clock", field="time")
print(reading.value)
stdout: 8:30:22
